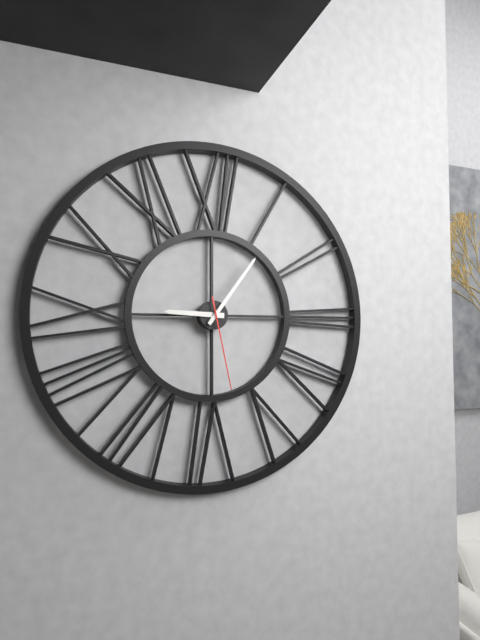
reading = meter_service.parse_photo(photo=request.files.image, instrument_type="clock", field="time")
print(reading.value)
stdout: 9:06:28
